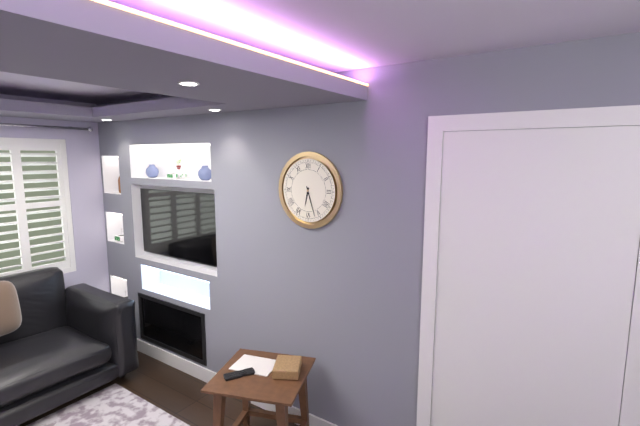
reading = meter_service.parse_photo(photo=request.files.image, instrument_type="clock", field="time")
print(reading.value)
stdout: 6:27
